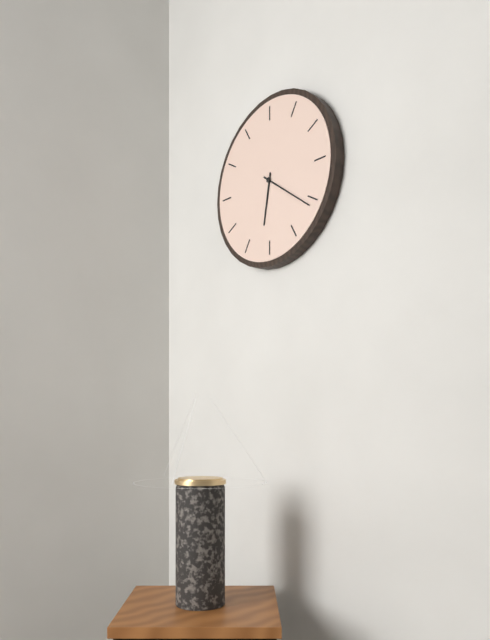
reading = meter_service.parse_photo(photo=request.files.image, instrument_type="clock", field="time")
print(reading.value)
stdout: 6:21
